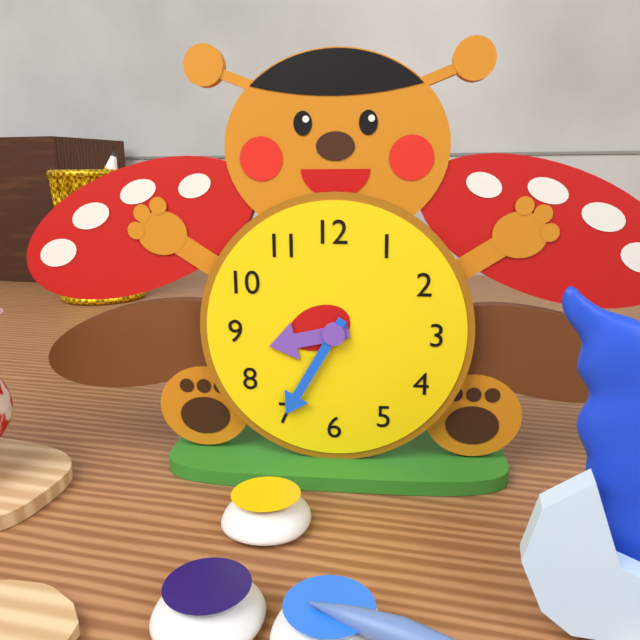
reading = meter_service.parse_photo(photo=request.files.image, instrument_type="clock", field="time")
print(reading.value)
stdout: 8:35
